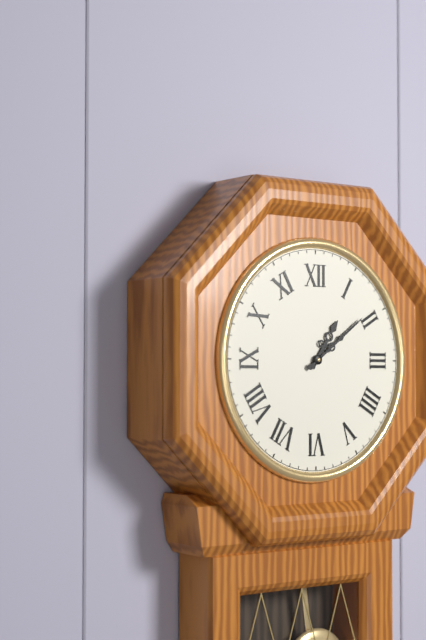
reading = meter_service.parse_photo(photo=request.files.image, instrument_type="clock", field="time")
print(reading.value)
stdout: 1:09
